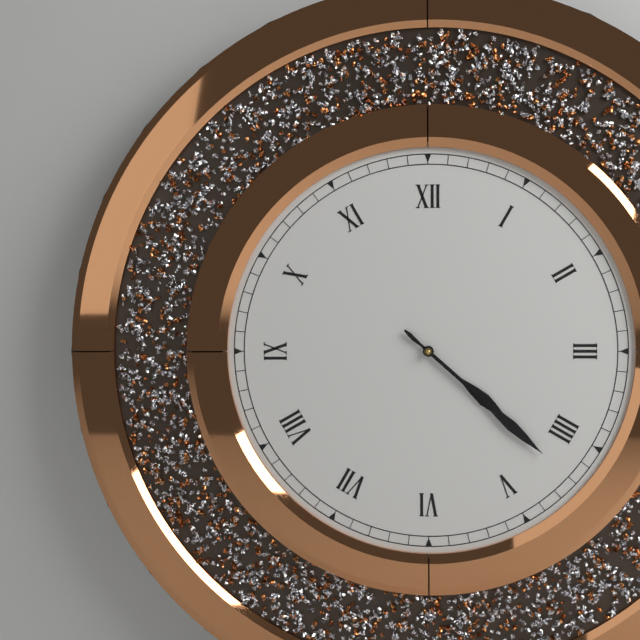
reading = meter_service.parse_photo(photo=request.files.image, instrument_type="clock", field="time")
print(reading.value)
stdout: 4:22
